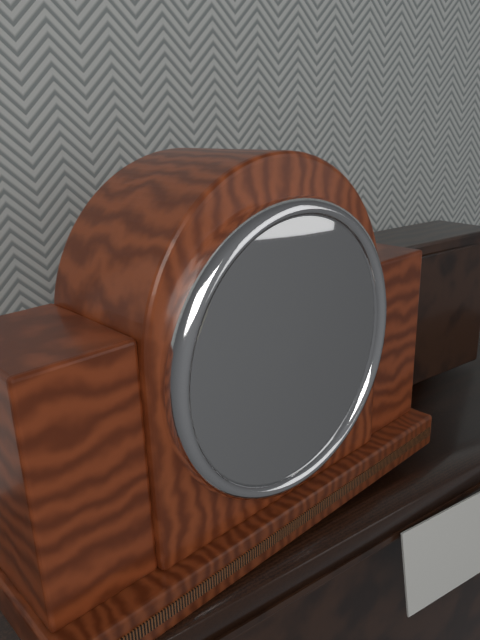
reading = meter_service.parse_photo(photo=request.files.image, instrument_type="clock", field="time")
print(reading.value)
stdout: 4:06
